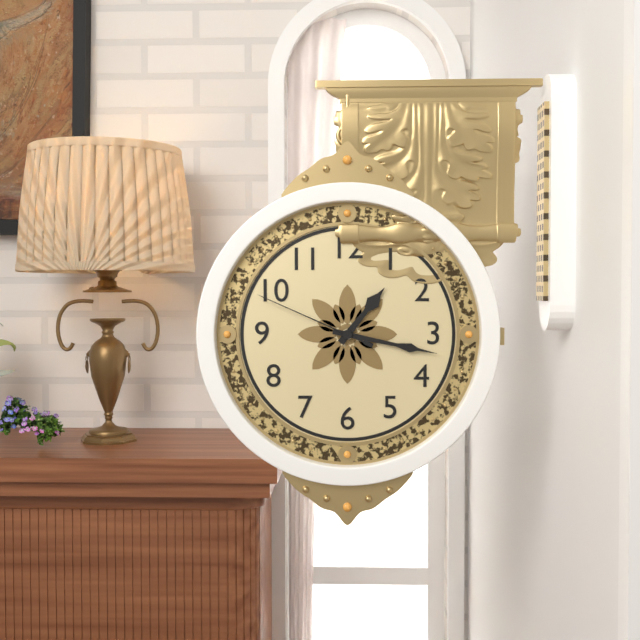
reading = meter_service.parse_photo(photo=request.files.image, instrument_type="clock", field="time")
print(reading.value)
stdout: 1:17:49
